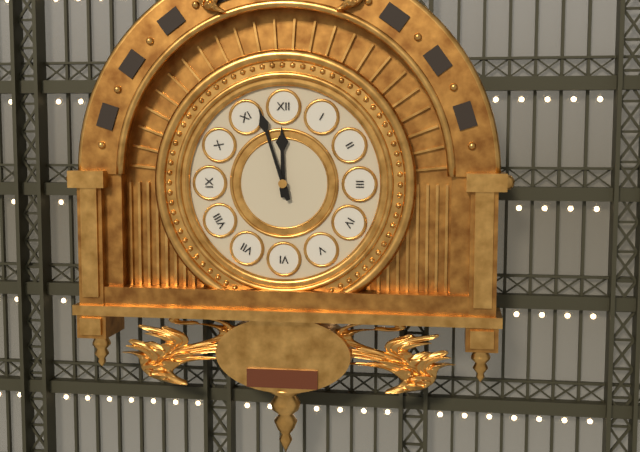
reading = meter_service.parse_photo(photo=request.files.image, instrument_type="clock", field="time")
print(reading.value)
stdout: 11:57
